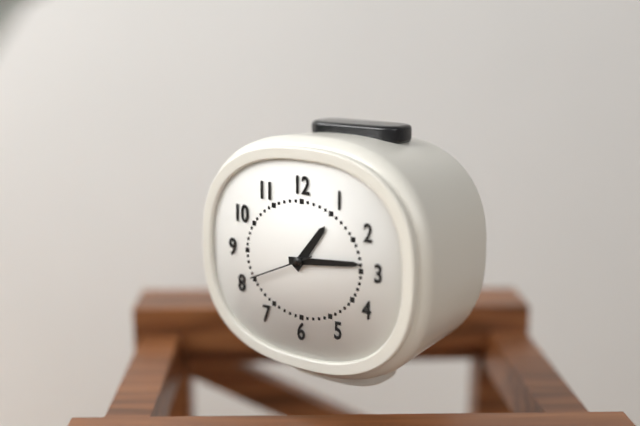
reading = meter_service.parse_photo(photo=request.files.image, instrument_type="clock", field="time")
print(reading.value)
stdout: 1:14:41
